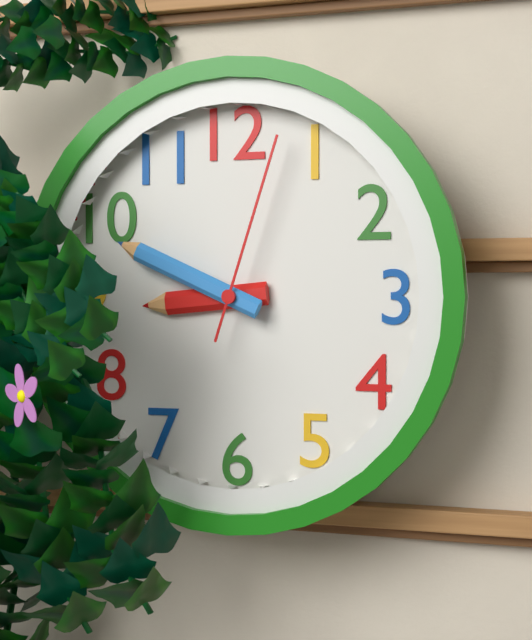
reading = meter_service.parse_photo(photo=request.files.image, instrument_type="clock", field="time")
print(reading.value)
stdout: 8:49:03
